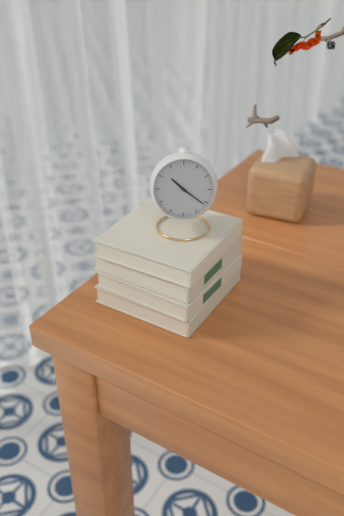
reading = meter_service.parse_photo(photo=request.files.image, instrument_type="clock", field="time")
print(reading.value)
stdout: 10:21
